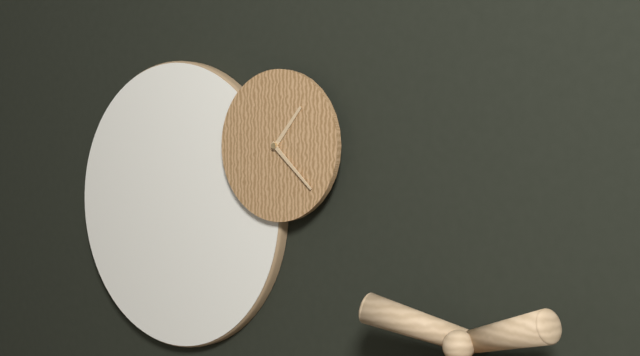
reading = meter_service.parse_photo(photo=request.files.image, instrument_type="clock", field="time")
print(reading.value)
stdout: 1:22
